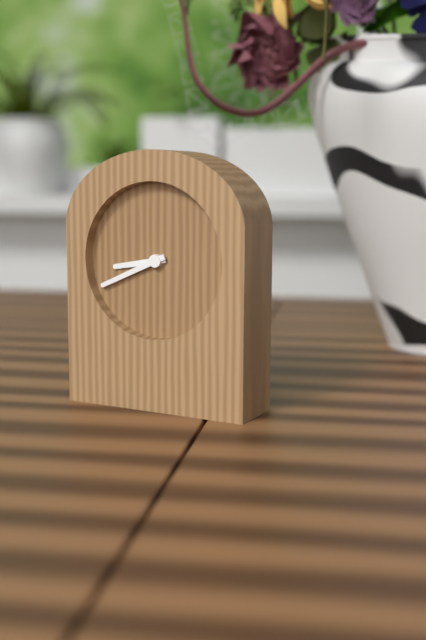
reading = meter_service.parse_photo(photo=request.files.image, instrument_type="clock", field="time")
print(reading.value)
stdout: 8:41
